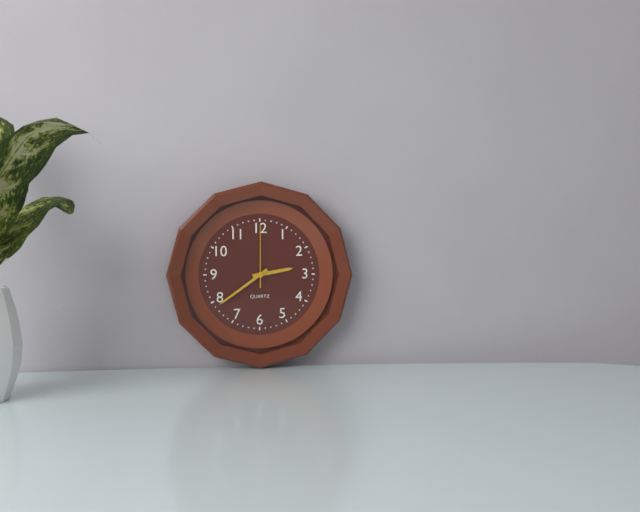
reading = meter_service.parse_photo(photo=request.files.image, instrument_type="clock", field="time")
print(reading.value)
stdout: 2:39:00
